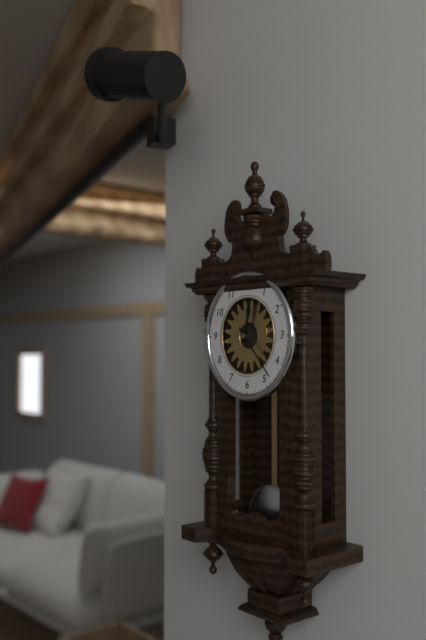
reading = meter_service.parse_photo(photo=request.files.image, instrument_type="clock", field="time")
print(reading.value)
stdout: 12:23
